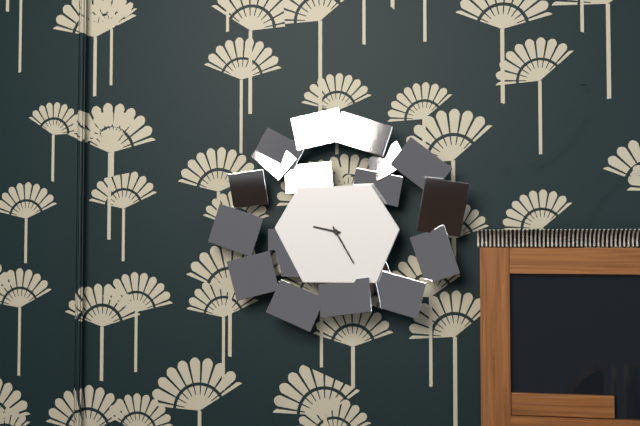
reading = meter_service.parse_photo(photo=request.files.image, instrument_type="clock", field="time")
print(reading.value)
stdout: 9:25
